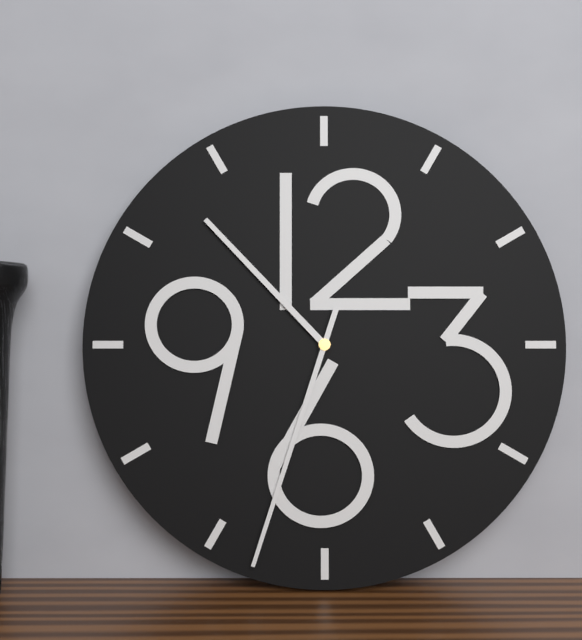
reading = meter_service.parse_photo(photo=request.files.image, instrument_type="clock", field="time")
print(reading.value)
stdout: 10:33
